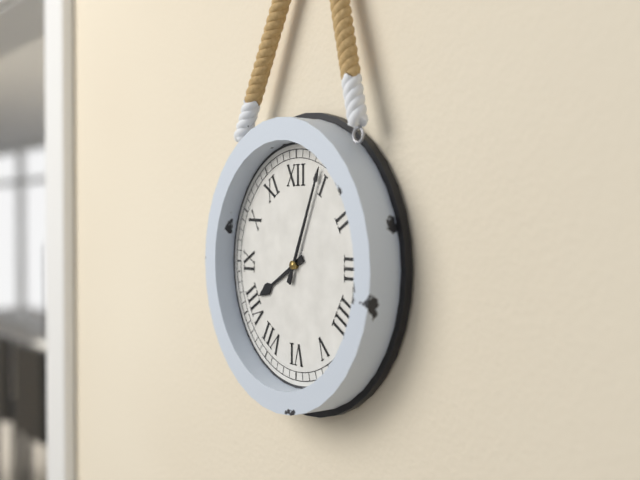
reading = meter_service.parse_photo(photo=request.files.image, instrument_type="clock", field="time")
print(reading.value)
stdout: 8:04
